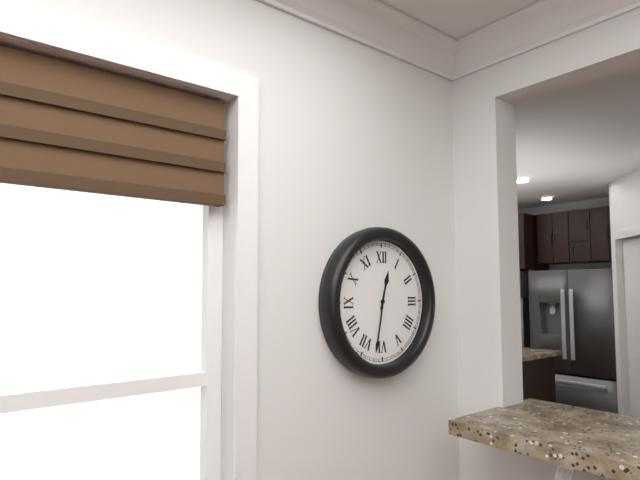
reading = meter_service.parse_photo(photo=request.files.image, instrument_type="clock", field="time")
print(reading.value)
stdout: 12:32
